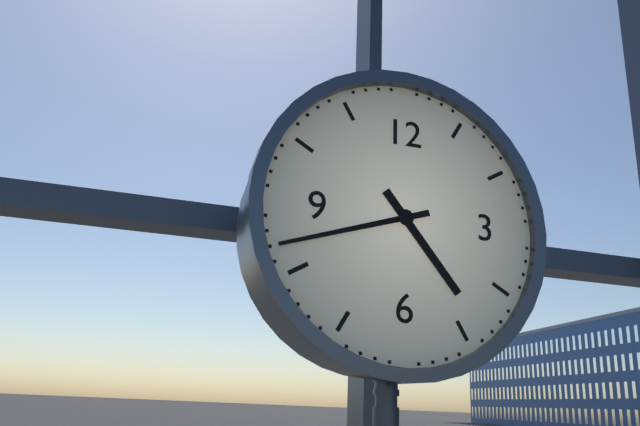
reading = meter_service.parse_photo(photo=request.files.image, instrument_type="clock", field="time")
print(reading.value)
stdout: 4:42
